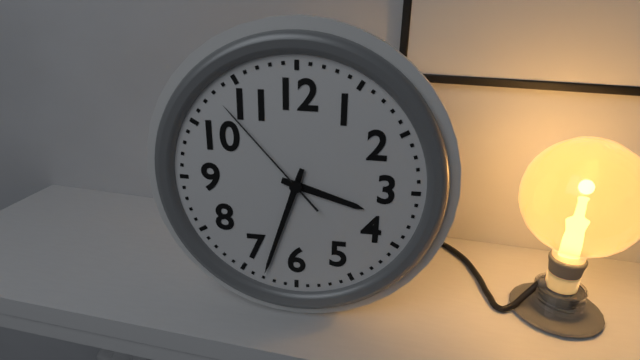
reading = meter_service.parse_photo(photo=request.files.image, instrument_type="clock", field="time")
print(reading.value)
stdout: 3:33:53
